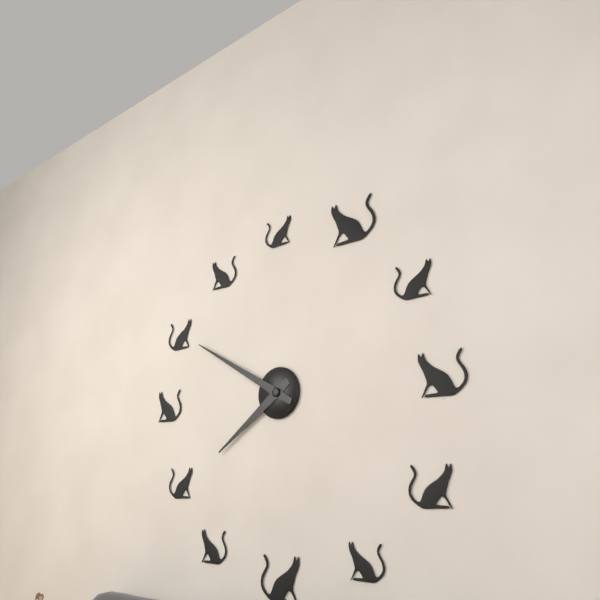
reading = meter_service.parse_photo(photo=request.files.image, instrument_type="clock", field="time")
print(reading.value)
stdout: 7:50
